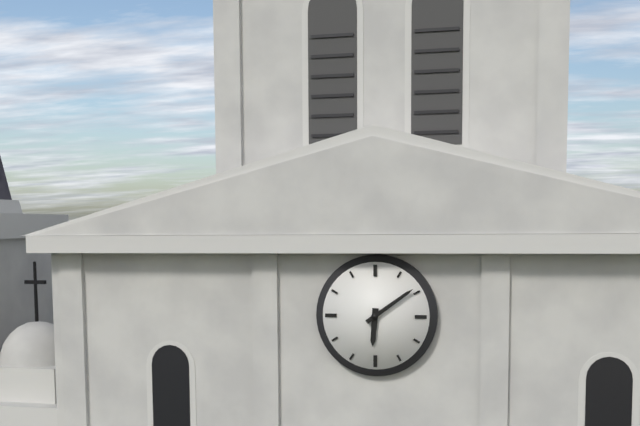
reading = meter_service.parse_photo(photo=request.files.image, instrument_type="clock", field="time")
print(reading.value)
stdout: 6:09
